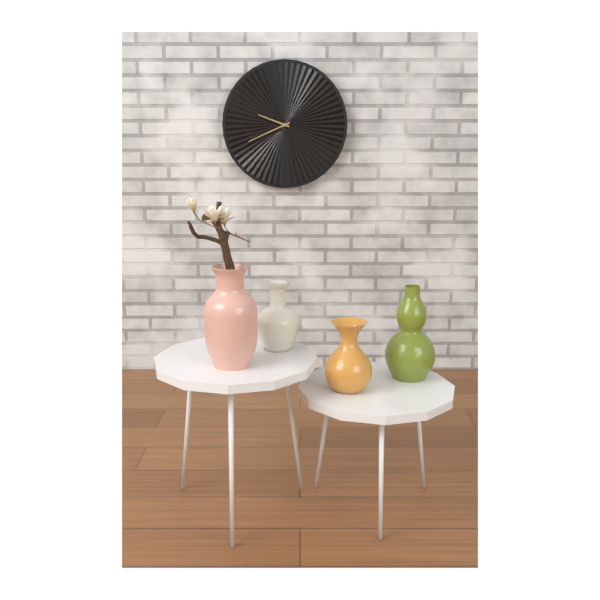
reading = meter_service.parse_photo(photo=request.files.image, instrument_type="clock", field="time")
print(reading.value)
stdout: 9:41
